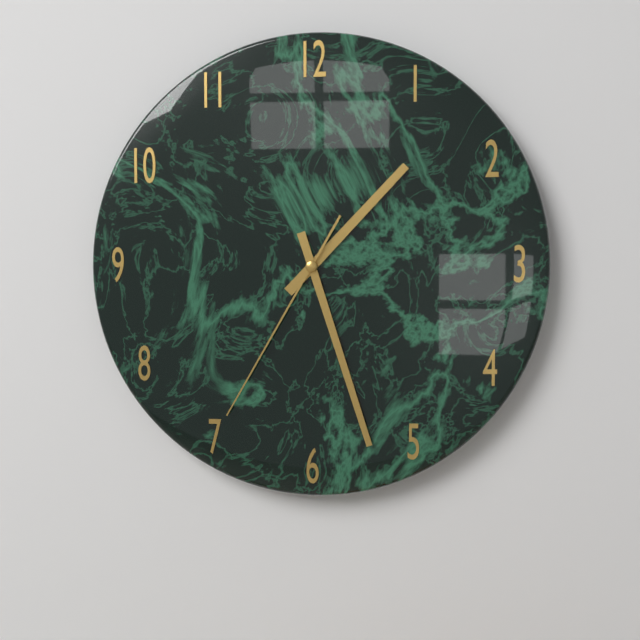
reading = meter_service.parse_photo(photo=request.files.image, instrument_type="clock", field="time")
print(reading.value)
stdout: 1:27:35
